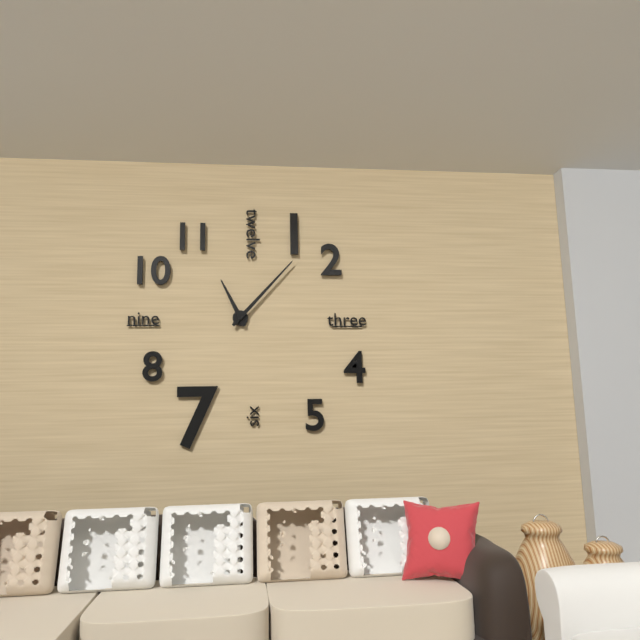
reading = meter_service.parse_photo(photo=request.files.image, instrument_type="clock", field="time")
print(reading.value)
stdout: 11:07
